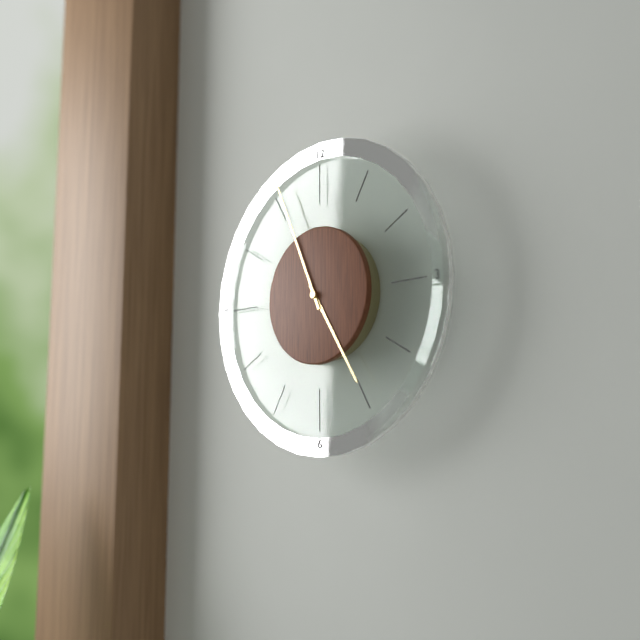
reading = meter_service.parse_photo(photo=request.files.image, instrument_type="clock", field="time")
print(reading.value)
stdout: 4:56
